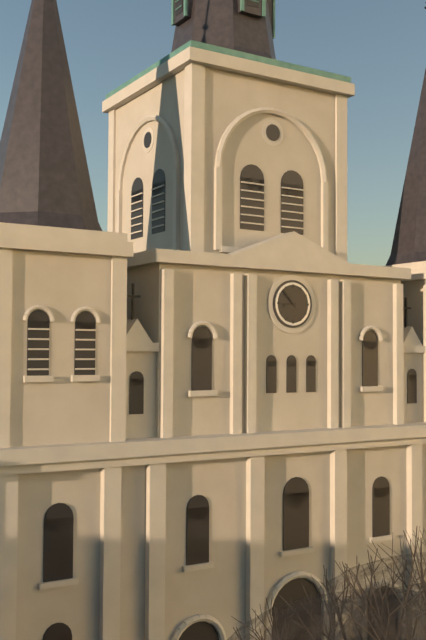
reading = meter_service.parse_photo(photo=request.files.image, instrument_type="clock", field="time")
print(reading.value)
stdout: 8:53
